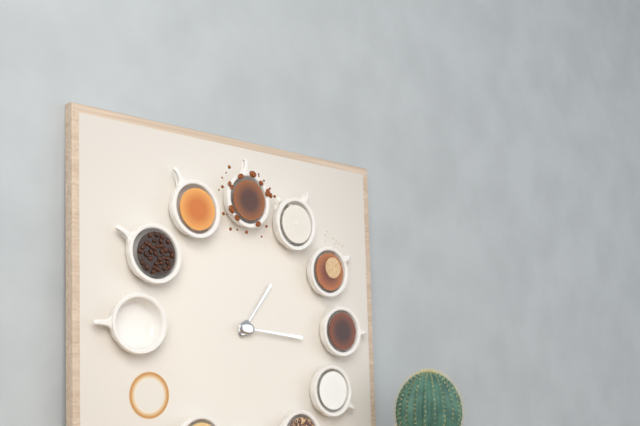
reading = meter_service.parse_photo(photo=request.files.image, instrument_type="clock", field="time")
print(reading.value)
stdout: 1:16
